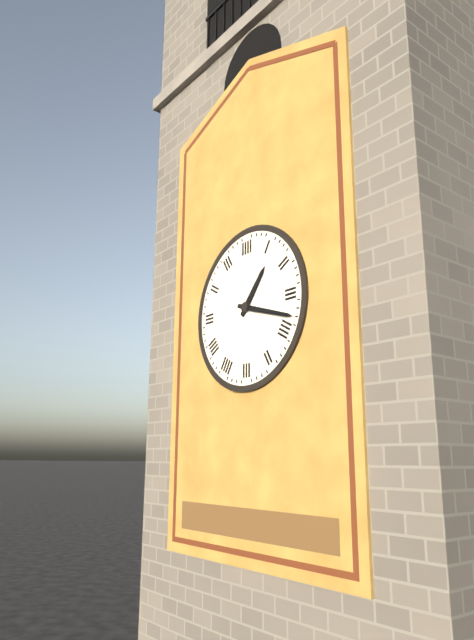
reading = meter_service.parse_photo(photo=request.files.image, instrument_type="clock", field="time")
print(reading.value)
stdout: 1:18
